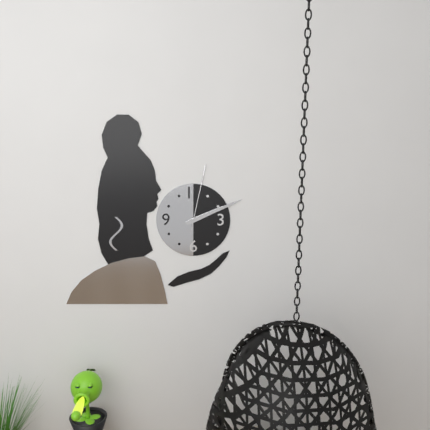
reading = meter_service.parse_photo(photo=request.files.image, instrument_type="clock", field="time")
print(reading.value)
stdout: 2:11:02
